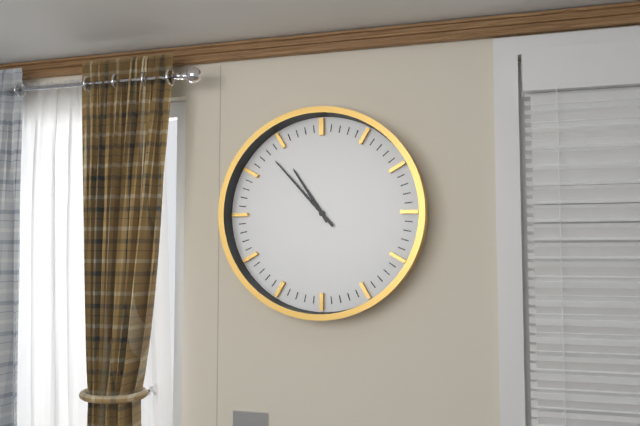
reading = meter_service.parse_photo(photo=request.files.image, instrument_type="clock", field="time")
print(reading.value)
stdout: 10:53
